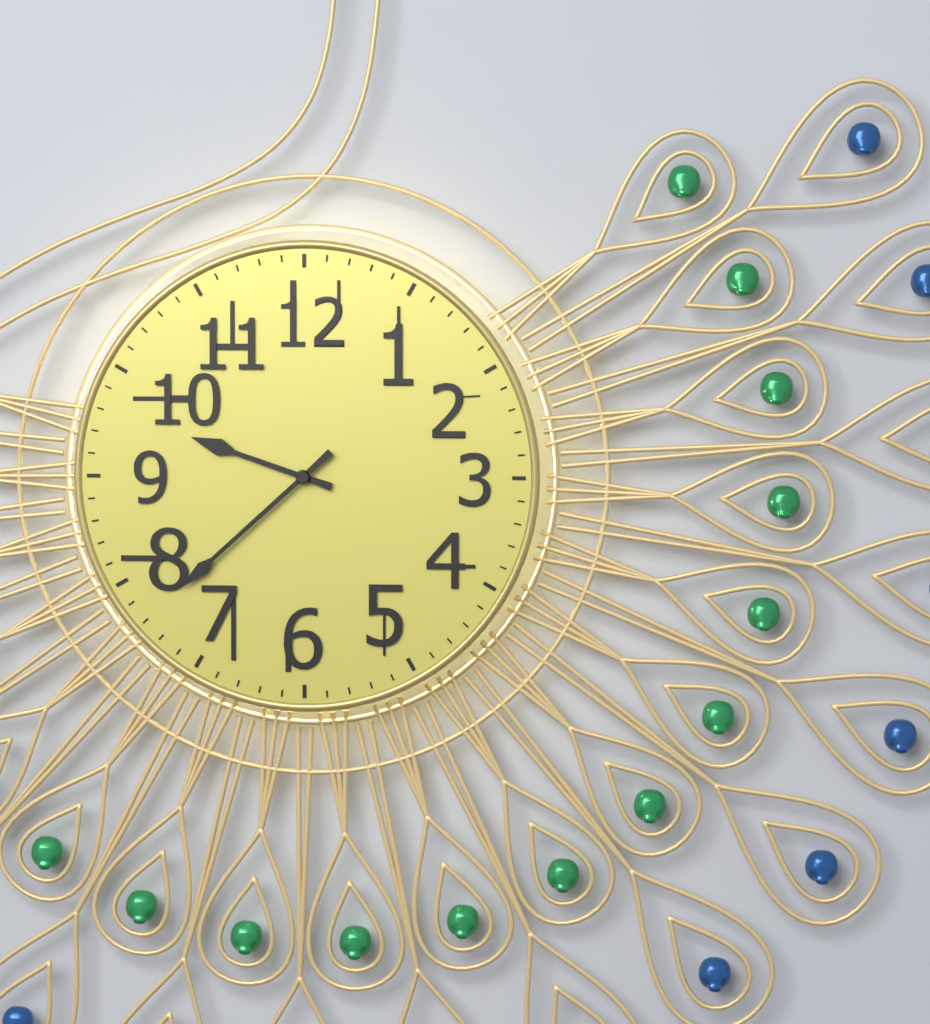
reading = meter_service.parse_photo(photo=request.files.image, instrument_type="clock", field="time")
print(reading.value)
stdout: 9:38
